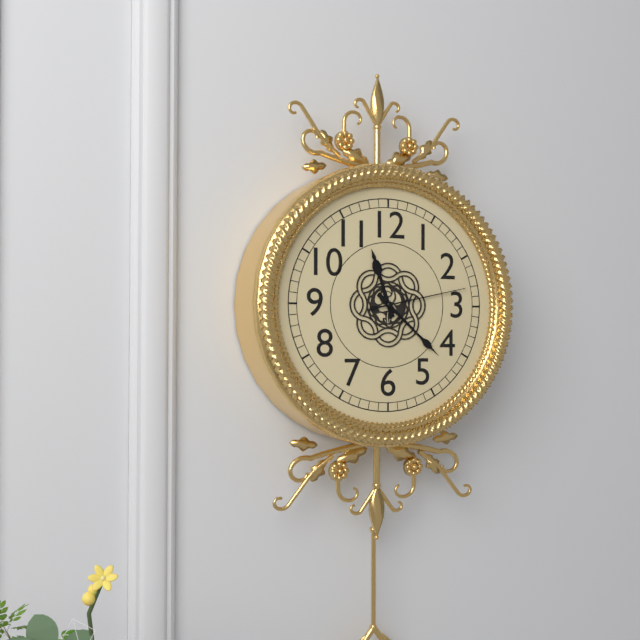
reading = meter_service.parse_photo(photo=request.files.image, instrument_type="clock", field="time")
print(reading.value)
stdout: 11:22:13
